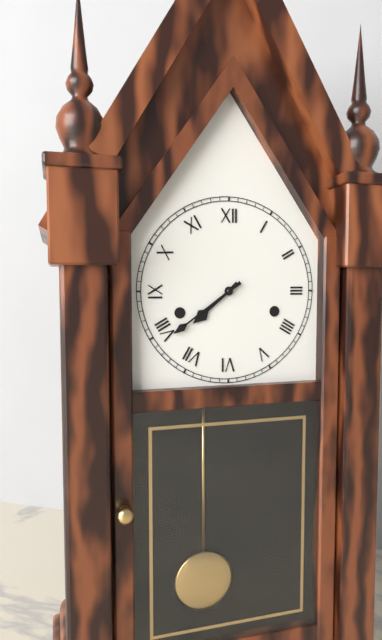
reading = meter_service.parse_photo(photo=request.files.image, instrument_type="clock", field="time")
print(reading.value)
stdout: 7:39
